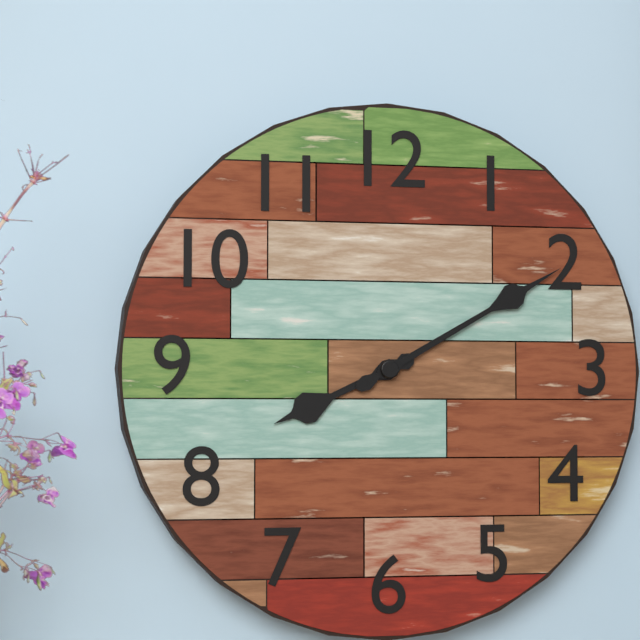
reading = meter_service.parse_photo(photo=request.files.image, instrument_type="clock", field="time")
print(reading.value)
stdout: 8:10
